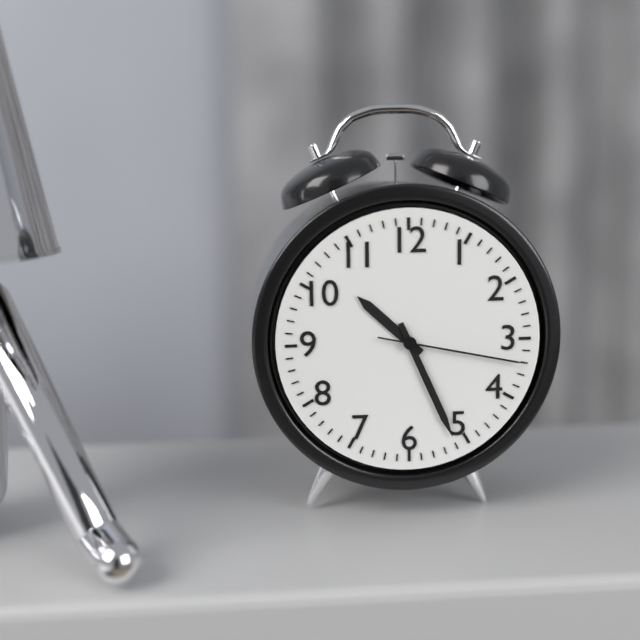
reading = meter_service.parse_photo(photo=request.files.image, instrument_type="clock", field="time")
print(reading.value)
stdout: 10:26:17
